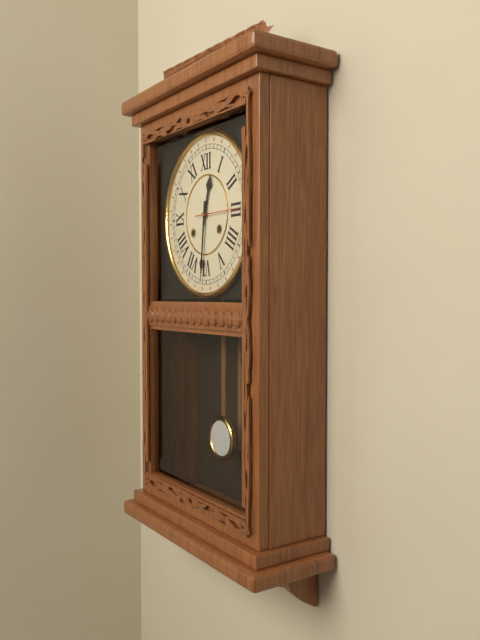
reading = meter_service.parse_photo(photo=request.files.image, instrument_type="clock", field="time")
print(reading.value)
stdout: 12:31
